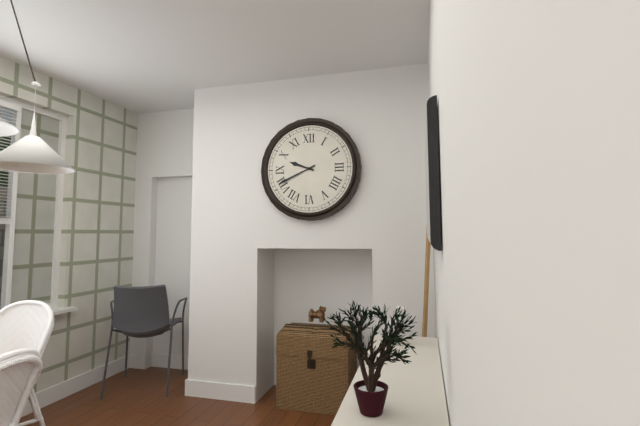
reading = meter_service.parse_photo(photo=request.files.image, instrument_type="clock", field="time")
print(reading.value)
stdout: 9:41
